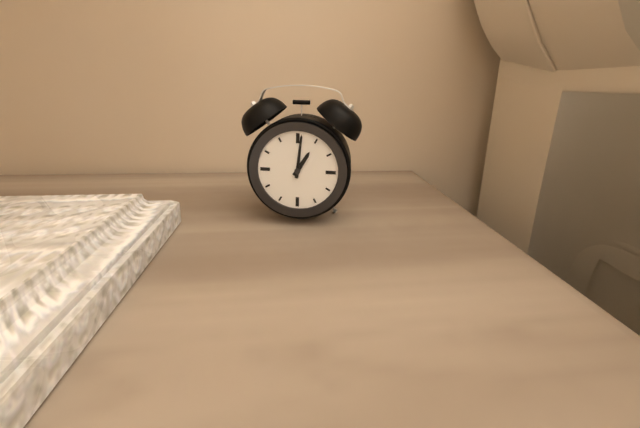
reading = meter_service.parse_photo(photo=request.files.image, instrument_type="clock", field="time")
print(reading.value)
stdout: 1:01
